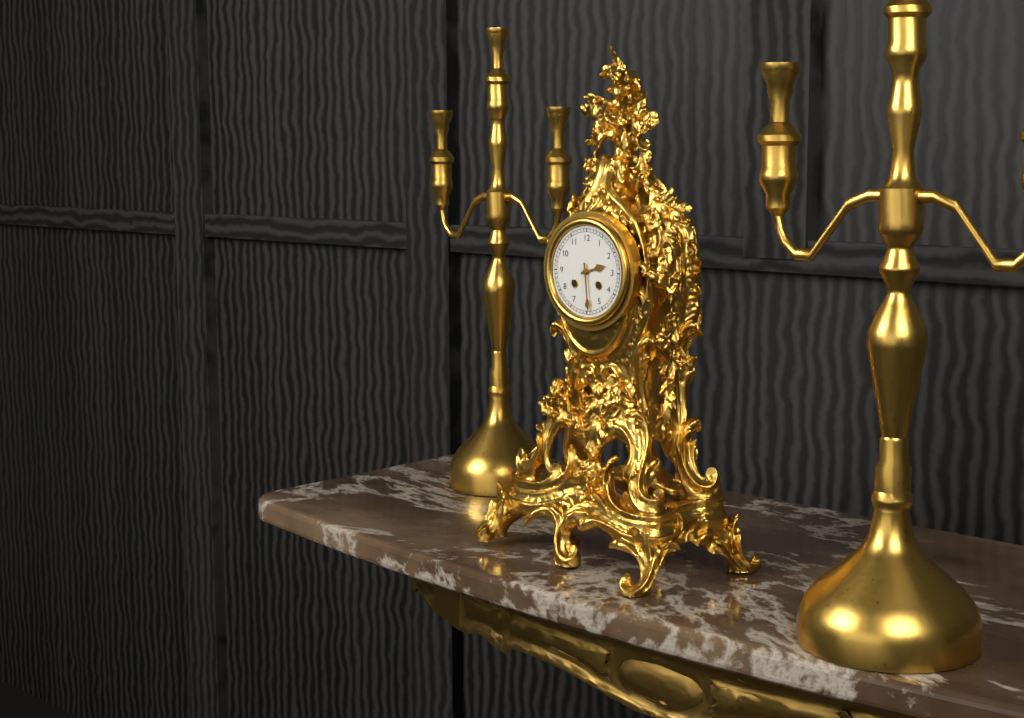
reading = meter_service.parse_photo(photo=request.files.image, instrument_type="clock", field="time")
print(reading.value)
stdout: 2:29
